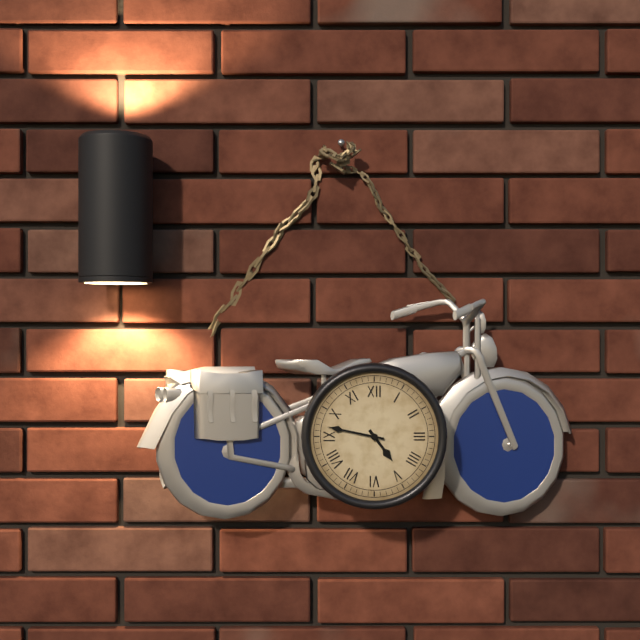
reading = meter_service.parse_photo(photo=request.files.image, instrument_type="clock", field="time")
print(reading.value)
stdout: 4:47
